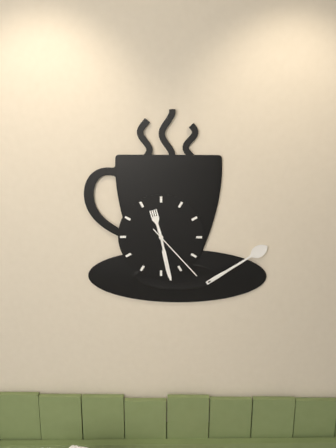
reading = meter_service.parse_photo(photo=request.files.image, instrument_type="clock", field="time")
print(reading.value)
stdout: 11:28:23
